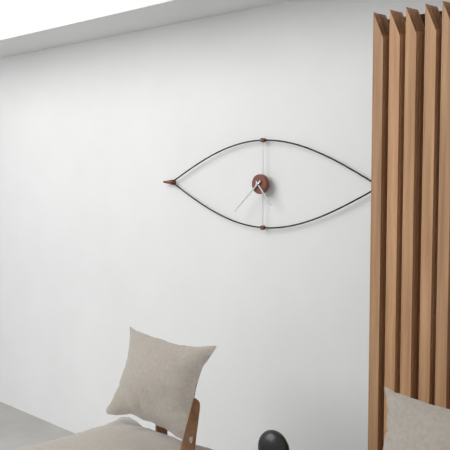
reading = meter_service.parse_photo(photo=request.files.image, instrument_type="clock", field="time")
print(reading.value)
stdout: 4:38
